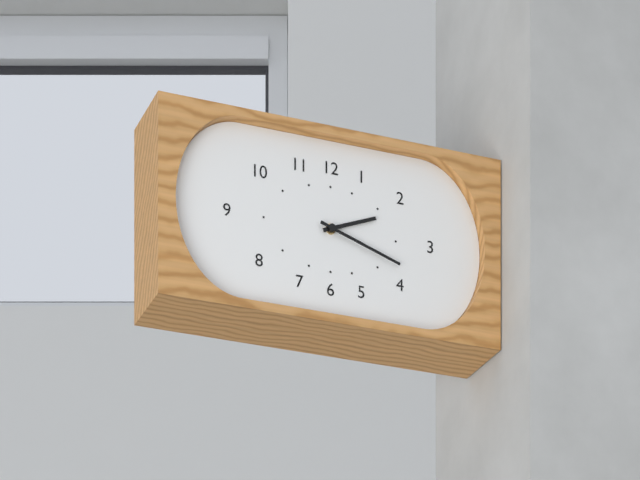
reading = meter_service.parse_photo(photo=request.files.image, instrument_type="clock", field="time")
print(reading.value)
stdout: 2:18
